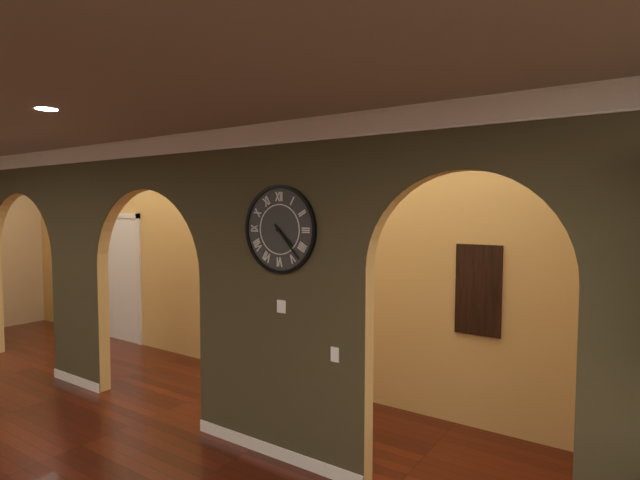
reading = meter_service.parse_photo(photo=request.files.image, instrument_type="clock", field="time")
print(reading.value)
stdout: 4:23
